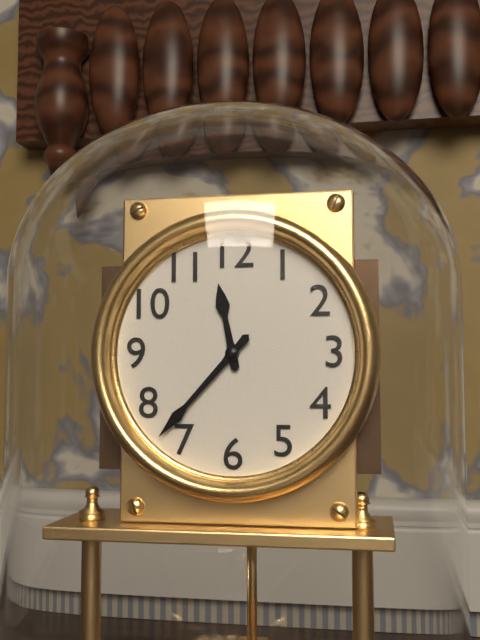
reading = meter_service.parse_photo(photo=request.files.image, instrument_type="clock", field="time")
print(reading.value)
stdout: 11:37
